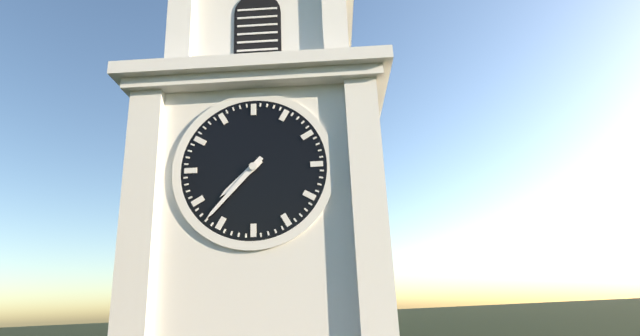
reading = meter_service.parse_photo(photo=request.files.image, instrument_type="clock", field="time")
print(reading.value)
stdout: 7:37
